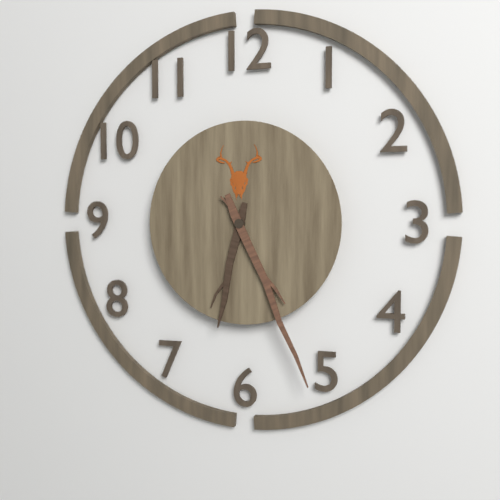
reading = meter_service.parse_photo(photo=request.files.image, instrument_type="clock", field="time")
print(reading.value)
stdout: 6:26
